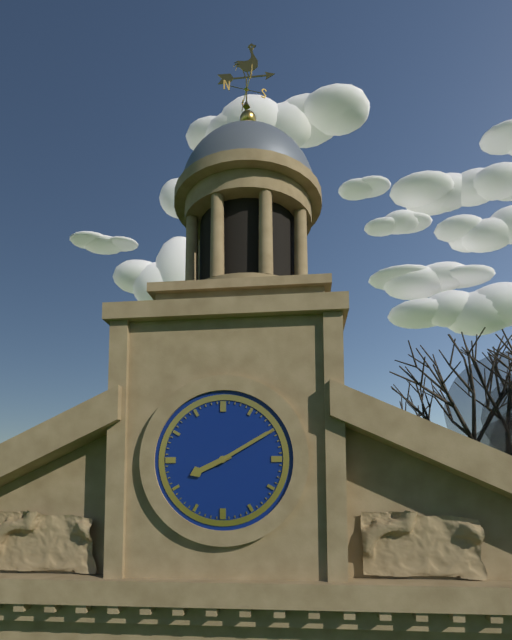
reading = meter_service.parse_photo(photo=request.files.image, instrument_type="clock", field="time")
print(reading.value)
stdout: 8:10
